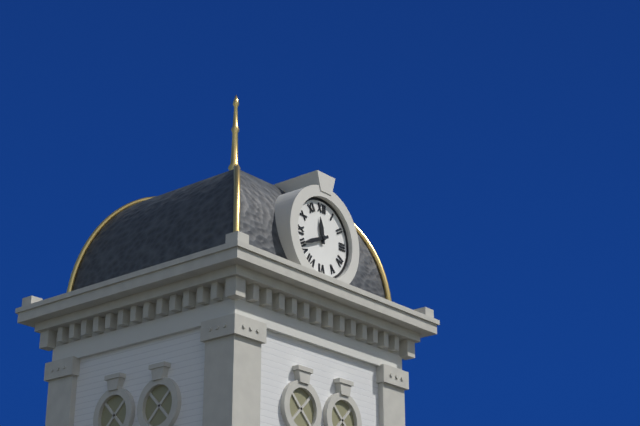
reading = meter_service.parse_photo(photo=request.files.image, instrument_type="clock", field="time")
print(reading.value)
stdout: 11:41
